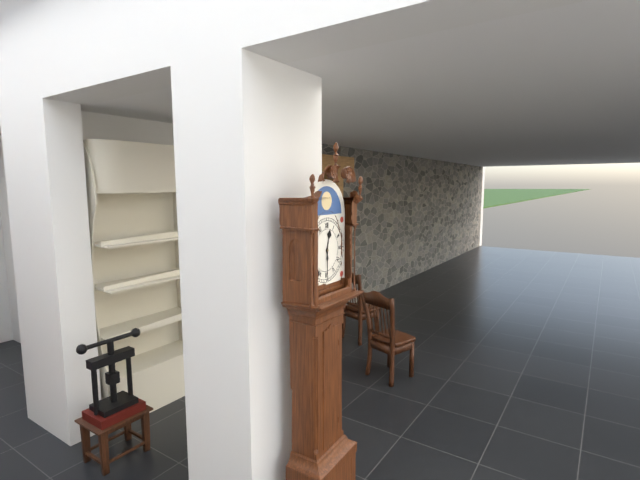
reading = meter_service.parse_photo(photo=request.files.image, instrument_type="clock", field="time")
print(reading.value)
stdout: 12:30
